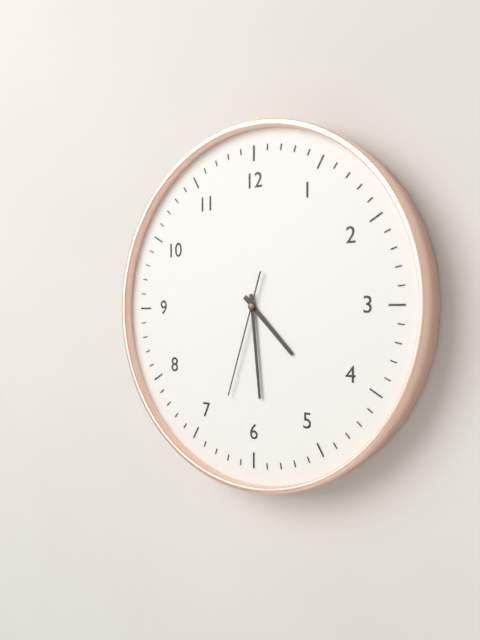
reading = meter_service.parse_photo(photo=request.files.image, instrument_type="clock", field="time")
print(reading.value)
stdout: 4:29:33
